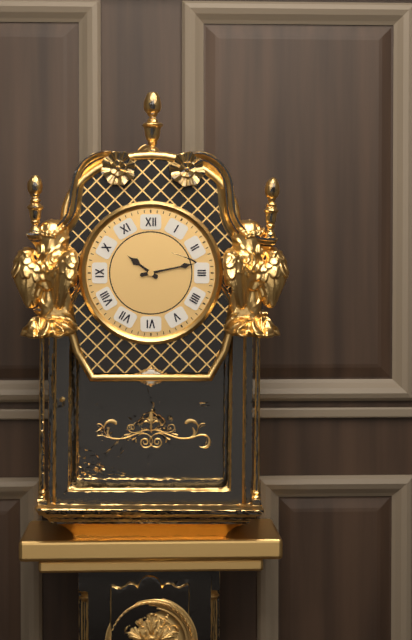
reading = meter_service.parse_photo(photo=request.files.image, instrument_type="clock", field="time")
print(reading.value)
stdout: 10:13
